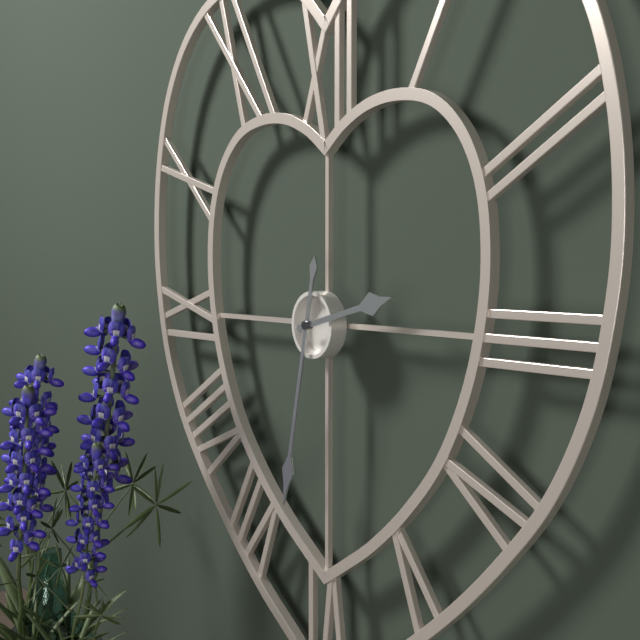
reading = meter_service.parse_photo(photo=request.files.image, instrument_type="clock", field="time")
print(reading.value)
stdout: 2:32
